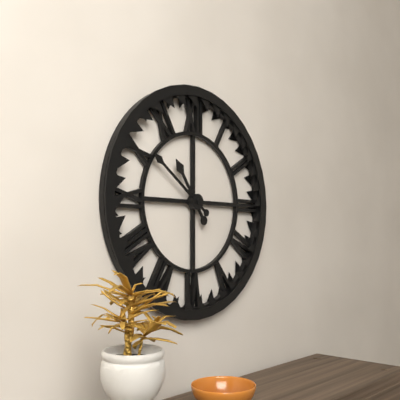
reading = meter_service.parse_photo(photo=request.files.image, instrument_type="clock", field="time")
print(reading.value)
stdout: 10:51
